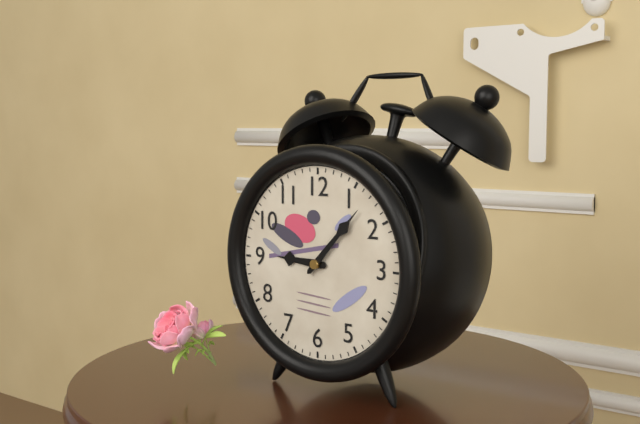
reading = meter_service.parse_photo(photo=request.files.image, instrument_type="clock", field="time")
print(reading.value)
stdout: 9:07
